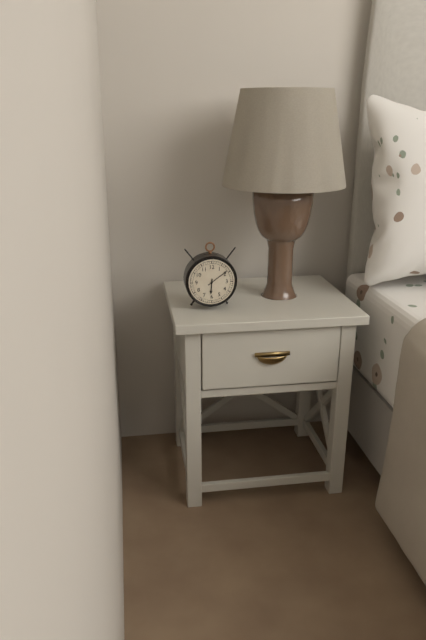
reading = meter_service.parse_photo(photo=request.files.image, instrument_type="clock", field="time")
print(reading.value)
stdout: 6:09
